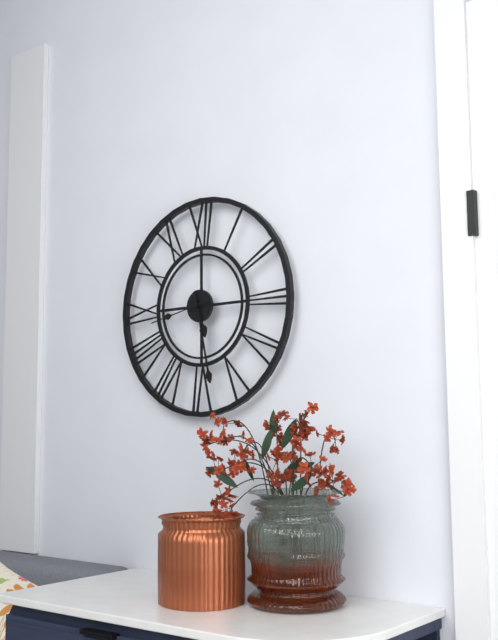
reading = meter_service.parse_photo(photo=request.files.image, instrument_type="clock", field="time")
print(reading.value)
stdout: 5:28:43
